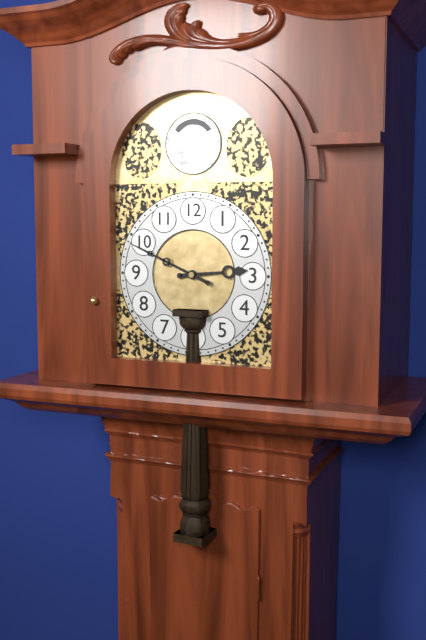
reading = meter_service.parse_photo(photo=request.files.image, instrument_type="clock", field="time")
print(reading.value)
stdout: 2:49
